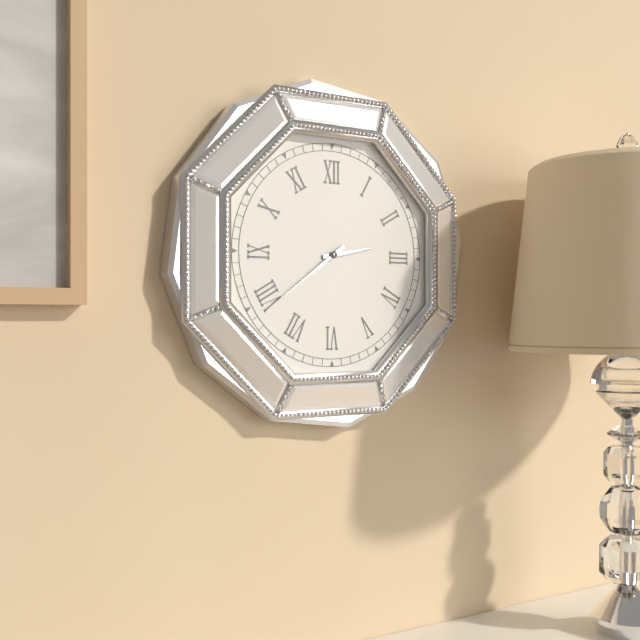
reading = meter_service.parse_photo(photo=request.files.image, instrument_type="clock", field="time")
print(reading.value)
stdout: 2:39
